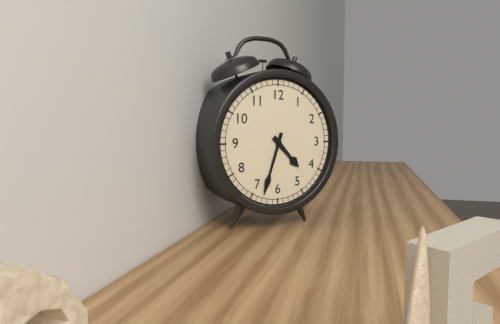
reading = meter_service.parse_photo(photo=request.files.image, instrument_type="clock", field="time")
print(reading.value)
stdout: 4:33
